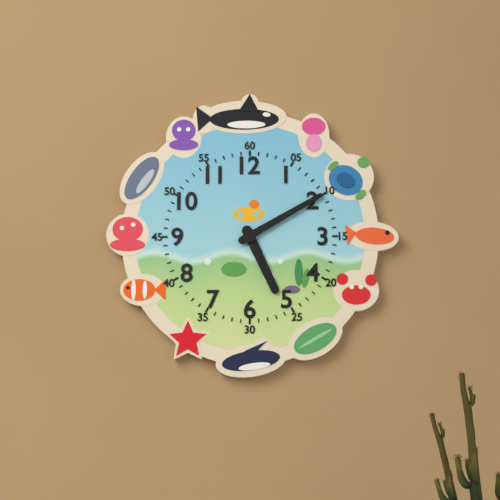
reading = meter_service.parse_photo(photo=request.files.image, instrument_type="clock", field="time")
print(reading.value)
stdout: 5:10
